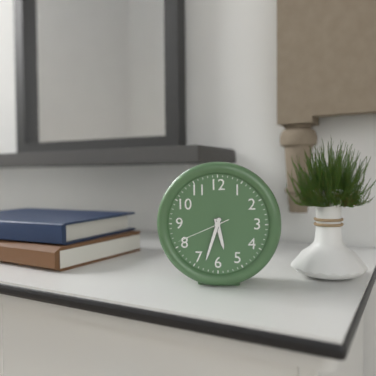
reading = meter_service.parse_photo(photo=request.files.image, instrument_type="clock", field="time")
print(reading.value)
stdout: 5:33:41
